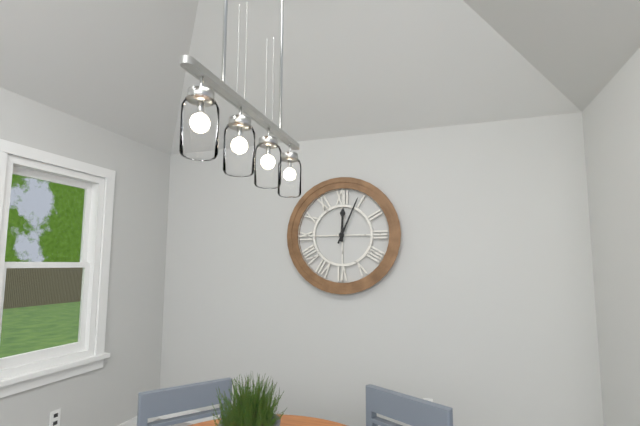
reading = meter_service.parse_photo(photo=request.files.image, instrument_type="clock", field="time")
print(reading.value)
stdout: 12:04
